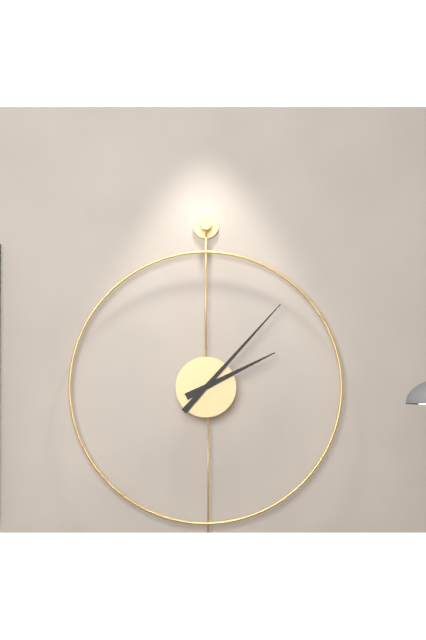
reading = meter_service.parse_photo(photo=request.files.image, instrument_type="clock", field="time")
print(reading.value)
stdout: 2:07
